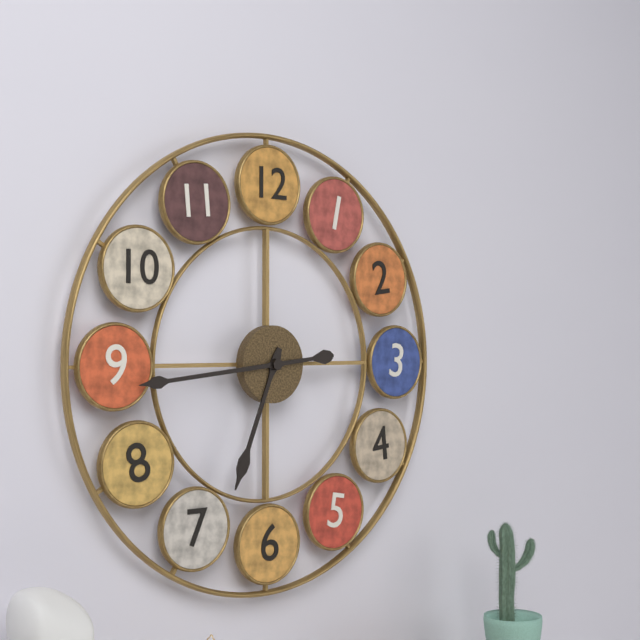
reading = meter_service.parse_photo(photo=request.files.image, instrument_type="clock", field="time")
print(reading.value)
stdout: 6:44
